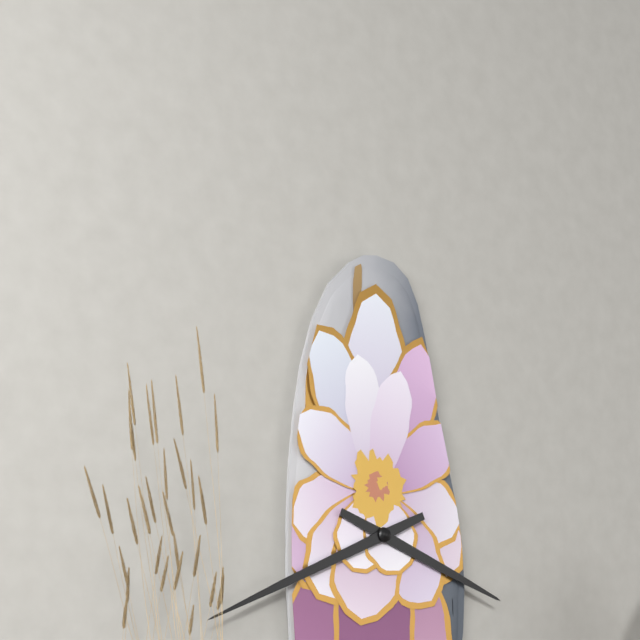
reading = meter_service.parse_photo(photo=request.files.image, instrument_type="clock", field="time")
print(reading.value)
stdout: 3:41
